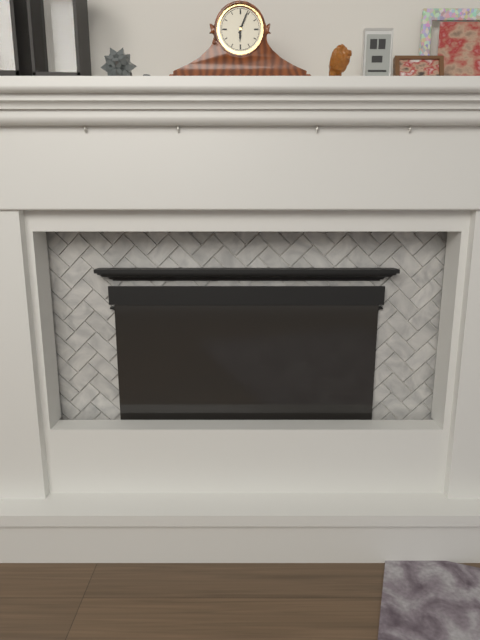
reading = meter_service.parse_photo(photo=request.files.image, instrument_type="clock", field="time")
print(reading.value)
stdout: 6:04
